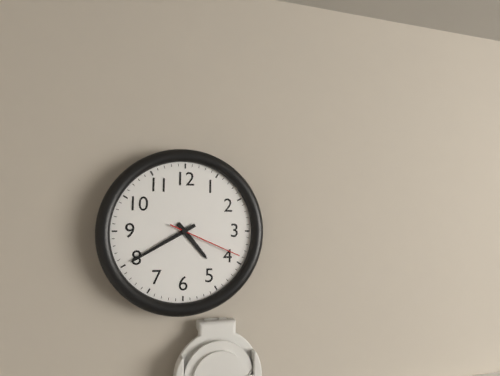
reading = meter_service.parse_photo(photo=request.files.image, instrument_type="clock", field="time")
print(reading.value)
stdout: 4:40:19
